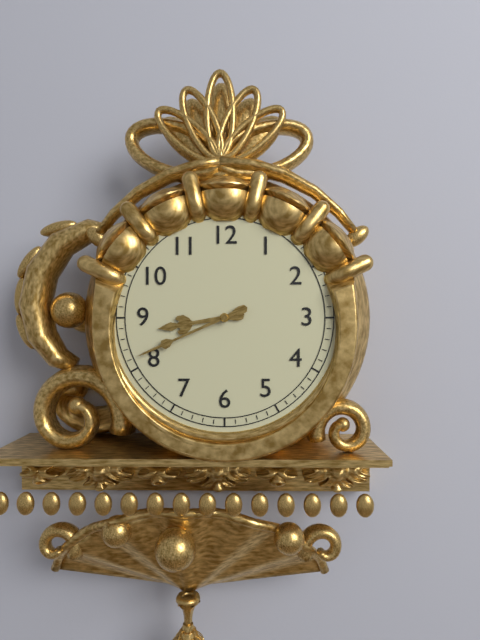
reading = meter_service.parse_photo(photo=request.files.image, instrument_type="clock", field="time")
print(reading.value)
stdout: 8:41
